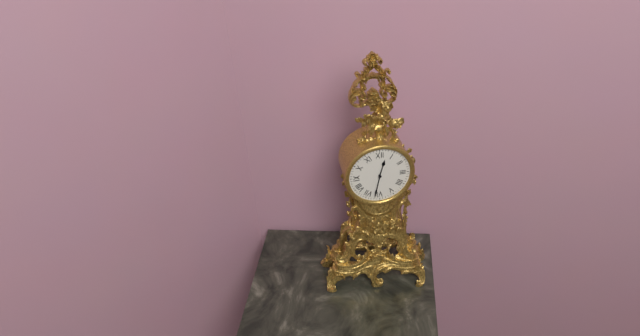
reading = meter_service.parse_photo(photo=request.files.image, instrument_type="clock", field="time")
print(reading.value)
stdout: 12:32
